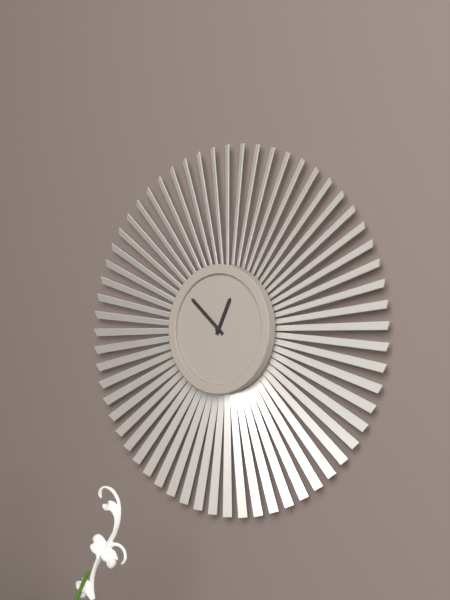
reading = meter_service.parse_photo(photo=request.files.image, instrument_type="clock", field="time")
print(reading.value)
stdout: 12:52
